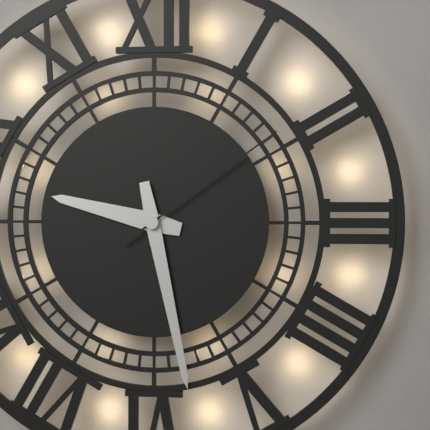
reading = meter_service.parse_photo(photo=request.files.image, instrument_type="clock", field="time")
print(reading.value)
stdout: 9:28:09
